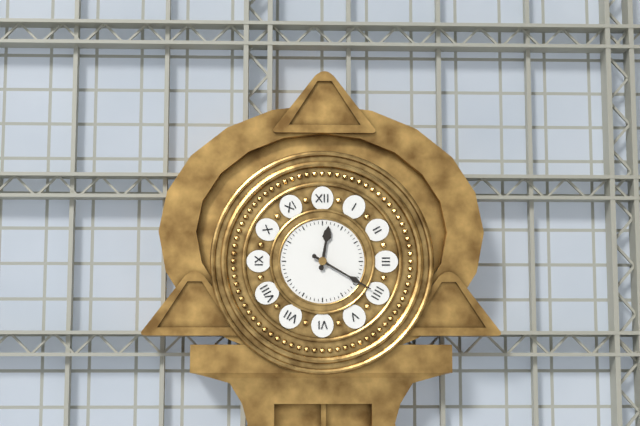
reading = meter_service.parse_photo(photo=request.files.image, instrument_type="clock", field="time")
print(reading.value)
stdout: 12:20
